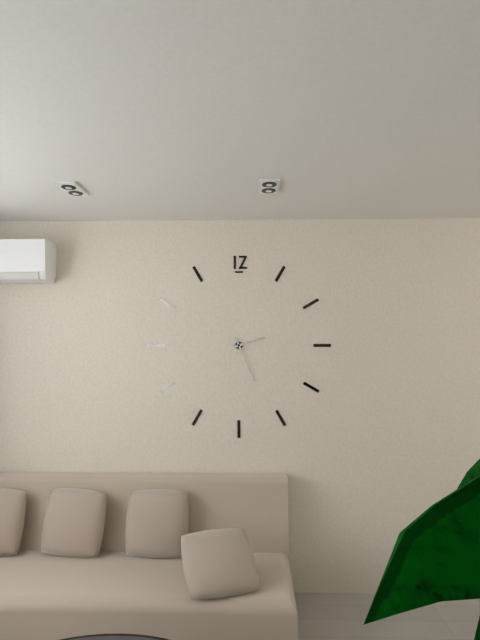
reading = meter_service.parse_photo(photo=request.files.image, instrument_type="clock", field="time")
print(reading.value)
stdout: 2:26
